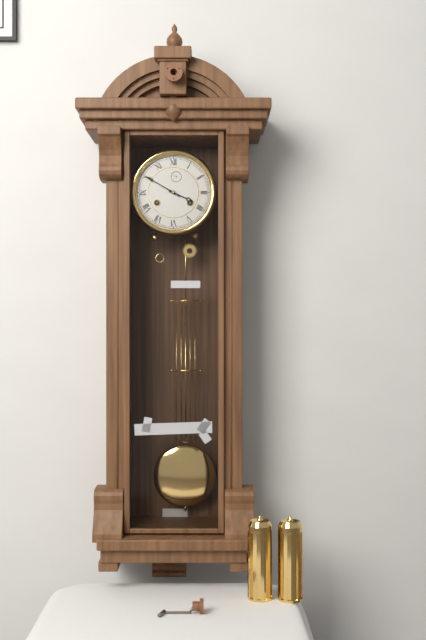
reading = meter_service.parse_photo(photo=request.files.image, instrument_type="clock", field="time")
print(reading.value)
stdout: 3:50
